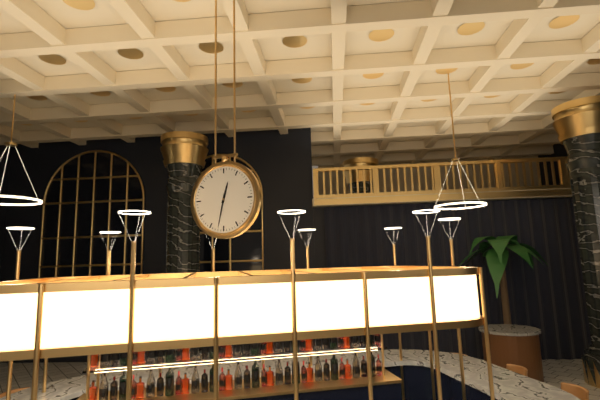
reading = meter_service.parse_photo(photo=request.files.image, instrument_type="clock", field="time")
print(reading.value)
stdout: 12:32
